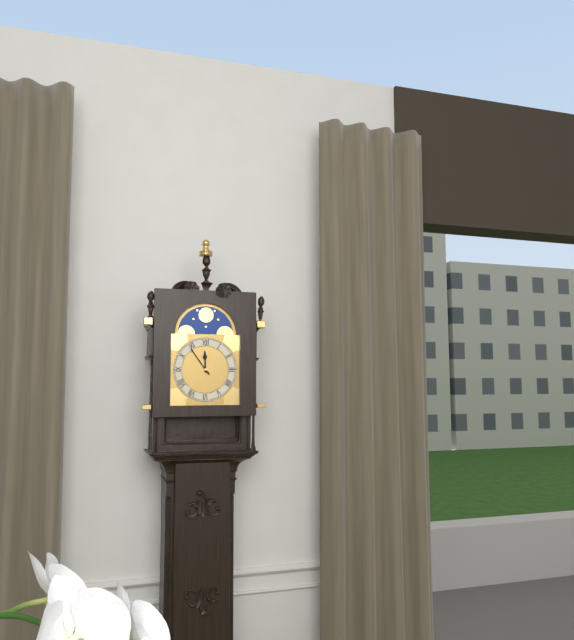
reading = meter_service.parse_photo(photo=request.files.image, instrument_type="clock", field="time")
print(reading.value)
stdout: 11:54
